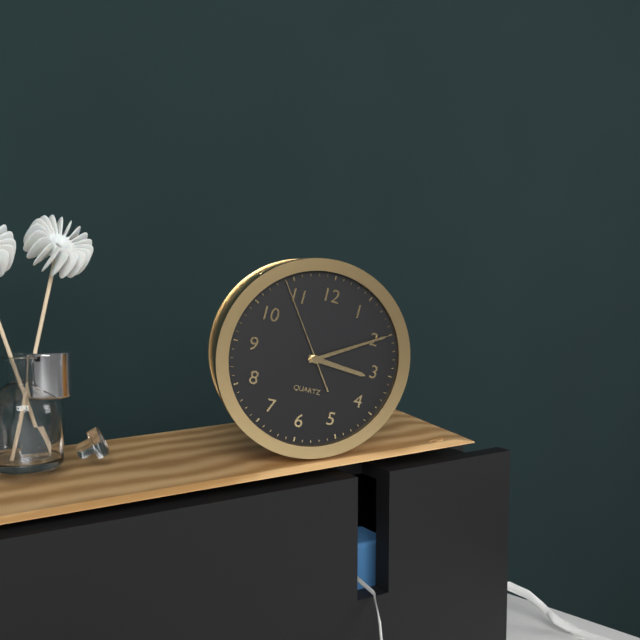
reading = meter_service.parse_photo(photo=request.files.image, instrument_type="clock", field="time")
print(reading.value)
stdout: 3:10:54
